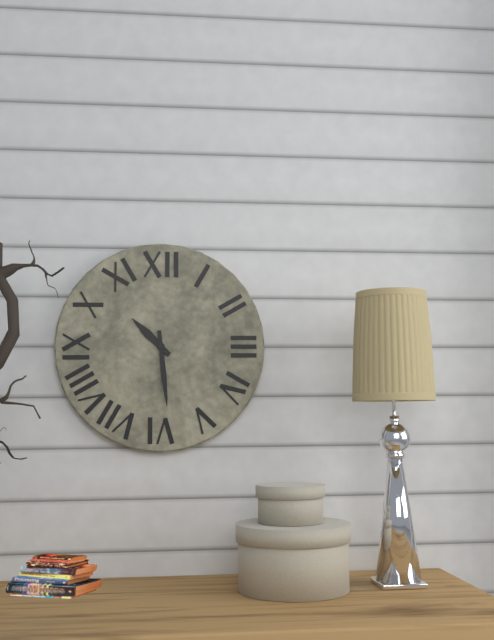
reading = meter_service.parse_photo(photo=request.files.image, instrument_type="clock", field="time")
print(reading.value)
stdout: 10:29
